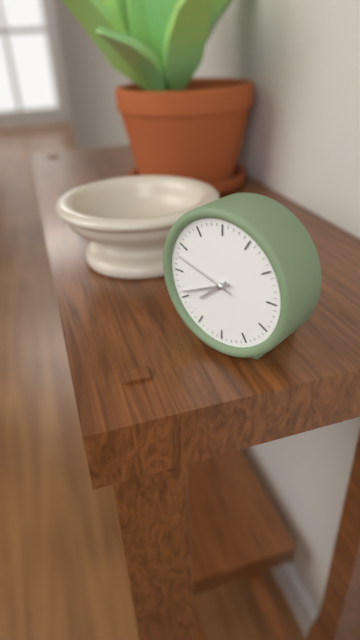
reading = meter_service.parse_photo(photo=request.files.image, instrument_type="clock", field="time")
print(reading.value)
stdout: 7:41:48
